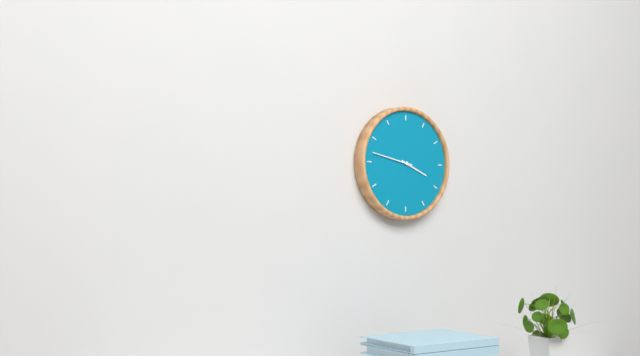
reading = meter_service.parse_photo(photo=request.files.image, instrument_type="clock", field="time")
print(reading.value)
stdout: 3:47
